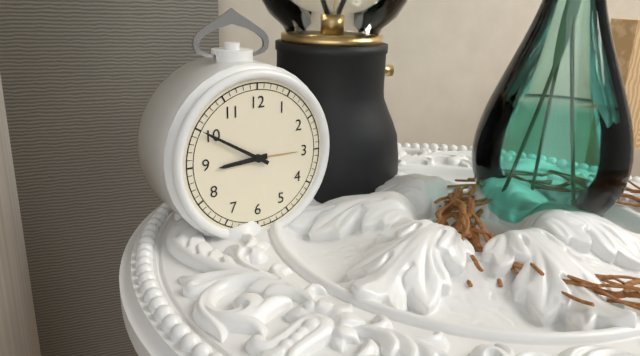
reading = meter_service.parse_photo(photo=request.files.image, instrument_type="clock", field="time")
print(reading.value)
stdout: 8:50
